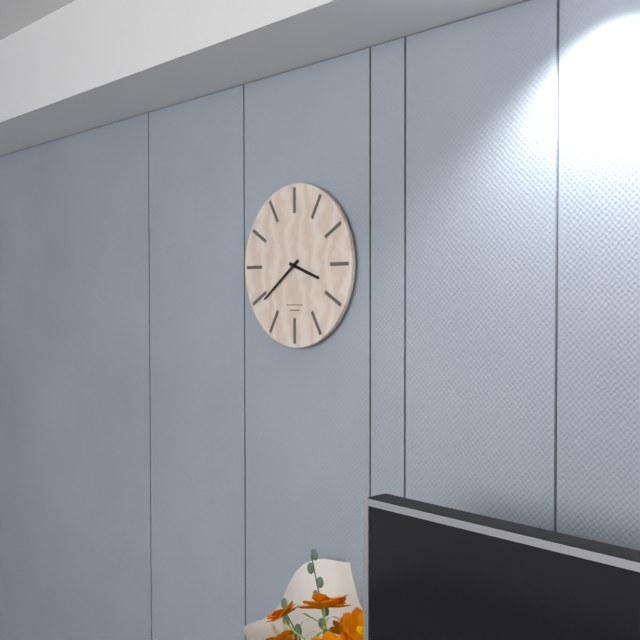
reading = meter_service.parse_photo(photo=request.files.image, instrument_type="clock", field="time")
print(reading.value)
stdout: 3:39
